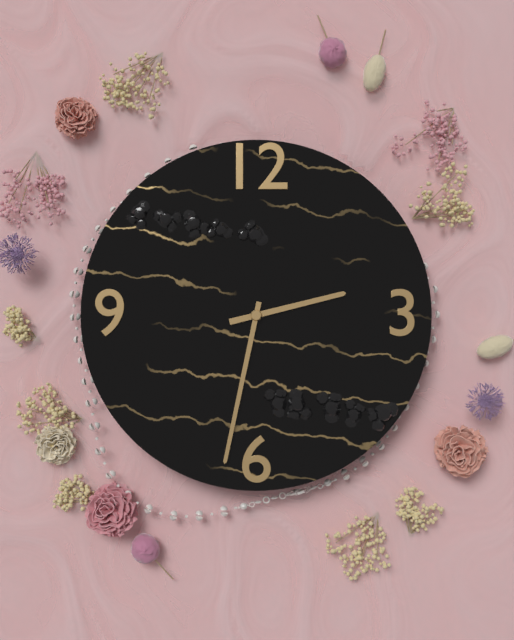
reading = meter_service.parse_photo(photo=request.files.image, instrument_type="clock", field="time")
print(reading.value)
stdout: 2:32
